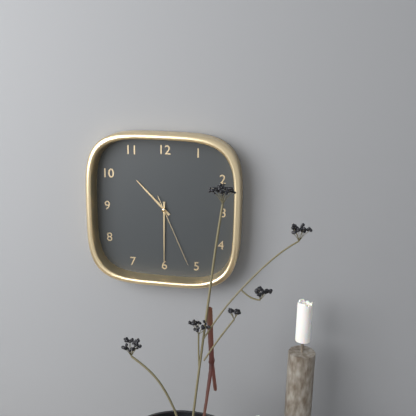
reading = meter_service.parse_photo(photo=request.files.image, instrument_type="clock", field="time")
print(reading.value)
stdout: 10:30:26
